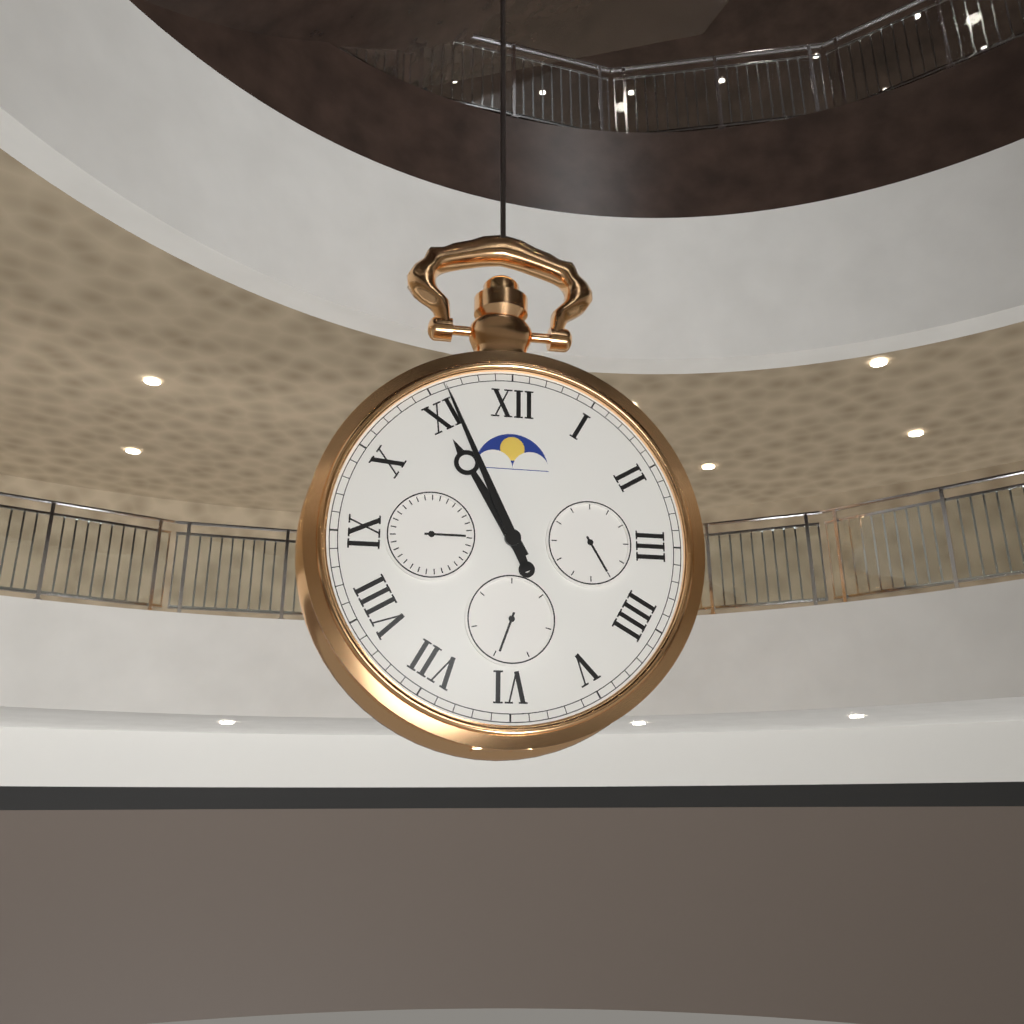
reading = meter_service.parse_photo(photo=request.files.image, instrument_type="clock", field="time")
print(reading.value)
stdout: 10:56
